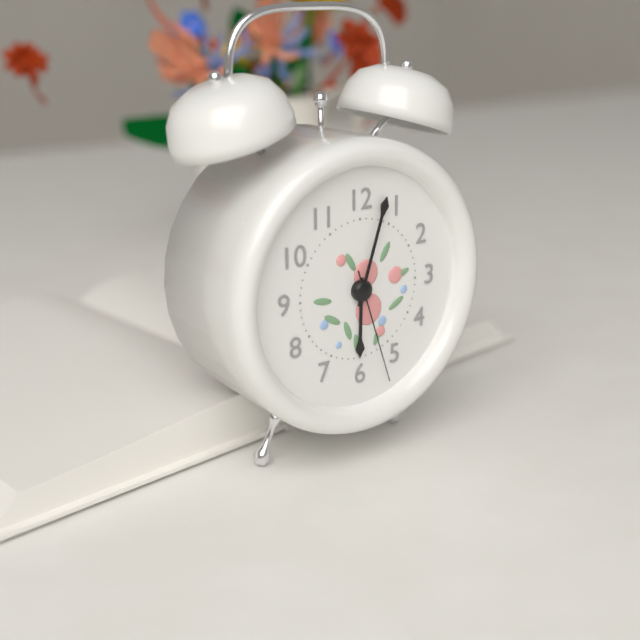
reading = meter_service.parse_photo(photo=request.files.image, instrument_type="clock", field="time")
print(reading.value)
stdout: 6:03:27
